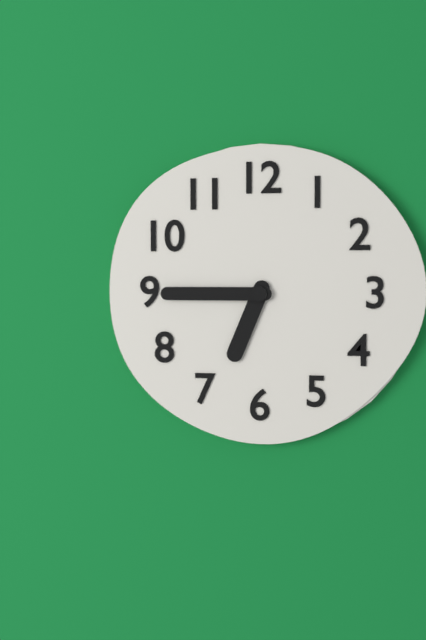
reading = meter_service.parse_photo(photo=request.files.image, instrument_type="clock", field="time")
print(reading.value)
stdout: 6:45
